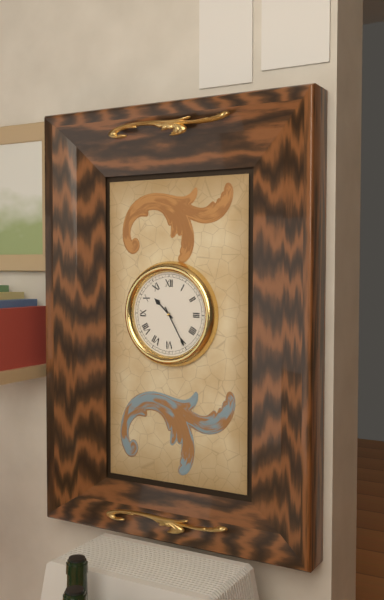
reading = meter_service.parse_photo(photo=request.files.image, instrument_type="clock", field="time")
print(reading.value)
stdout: 10:25
